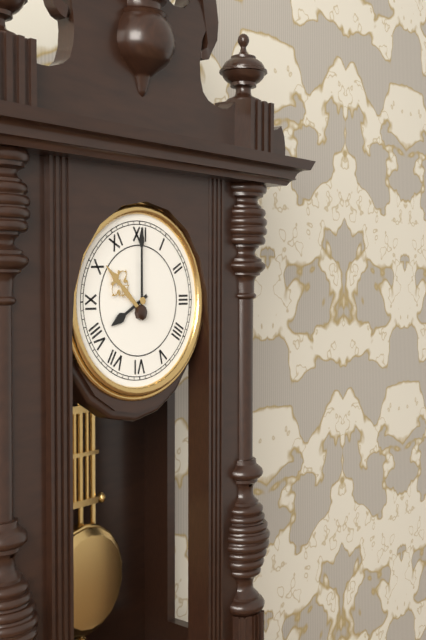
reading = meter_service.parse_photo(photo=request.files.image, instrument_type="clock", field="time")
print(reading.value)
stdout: 8:00
